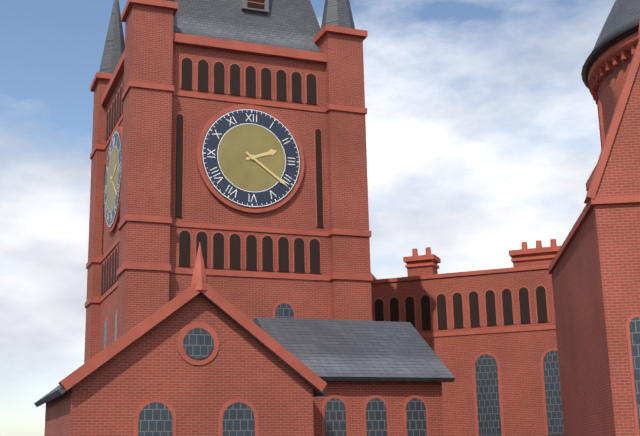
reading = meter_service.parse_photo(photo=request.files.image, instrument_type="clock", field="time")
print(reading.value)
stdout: 2:21
